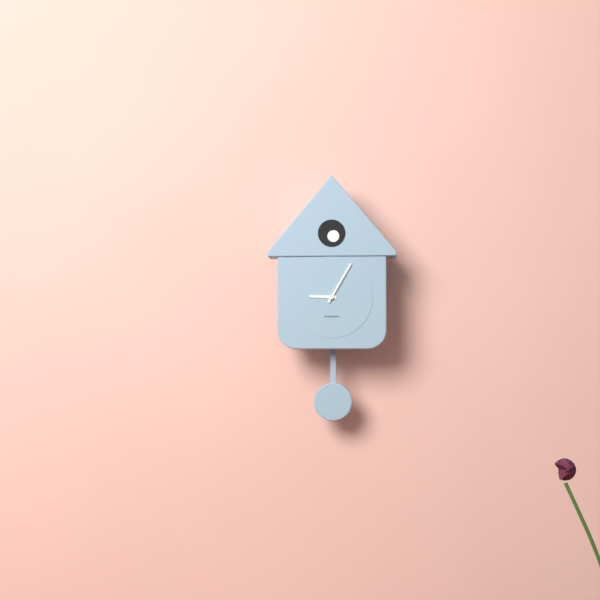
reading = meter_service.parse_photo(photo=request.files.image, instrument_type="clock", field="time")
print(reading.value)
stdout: 9:05
